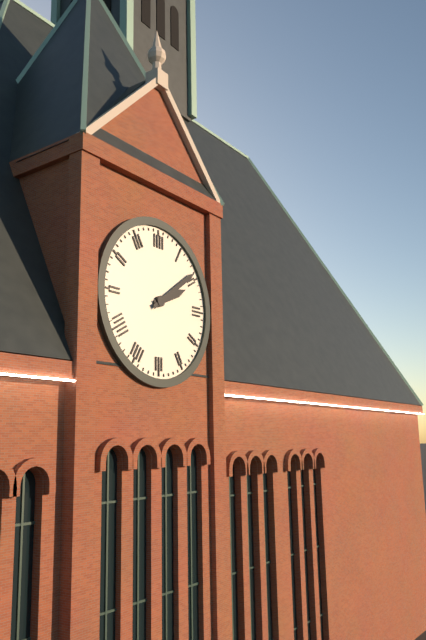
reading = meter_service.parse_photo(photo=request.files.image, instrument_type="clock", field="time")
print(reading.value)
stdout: 2:09
